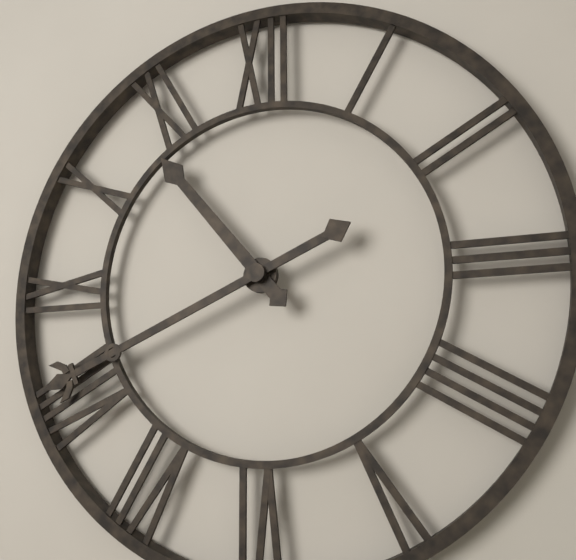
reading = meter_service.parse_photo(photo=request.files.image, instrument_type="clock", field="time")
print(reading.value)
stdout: 10:41
